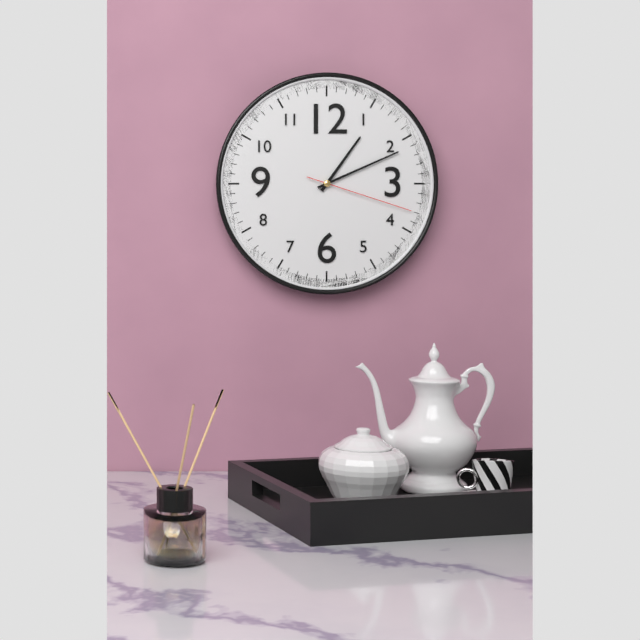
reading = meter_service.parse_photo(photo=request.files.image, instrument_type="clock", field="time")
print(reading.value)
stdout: 1:11:18
